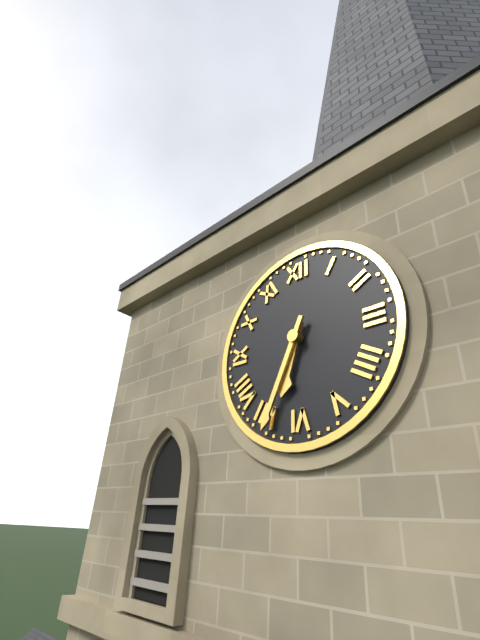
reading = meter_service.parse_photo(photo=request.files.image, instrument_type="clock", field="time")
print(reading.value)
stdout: 6:34
